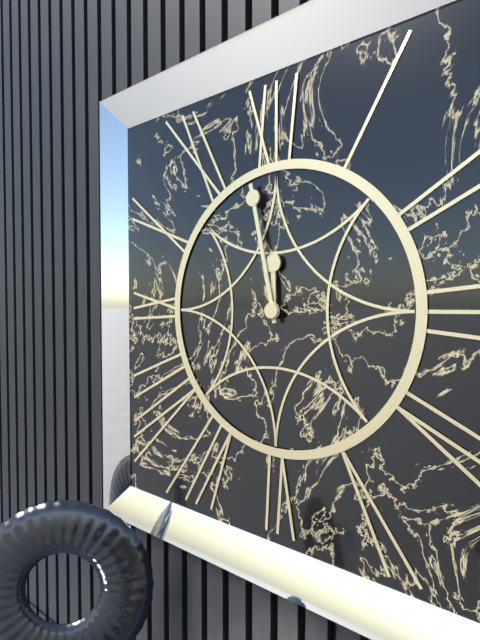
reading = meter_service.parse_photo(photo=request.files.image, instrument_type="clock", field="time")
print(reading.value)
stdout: 11:58
